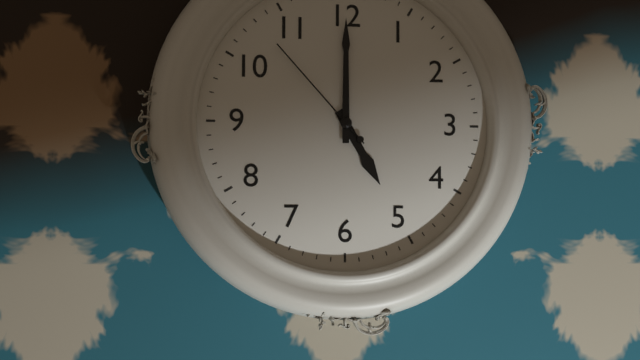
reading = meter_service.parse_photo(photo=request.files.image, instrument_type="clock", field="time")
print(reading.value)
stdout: 5:00:53
